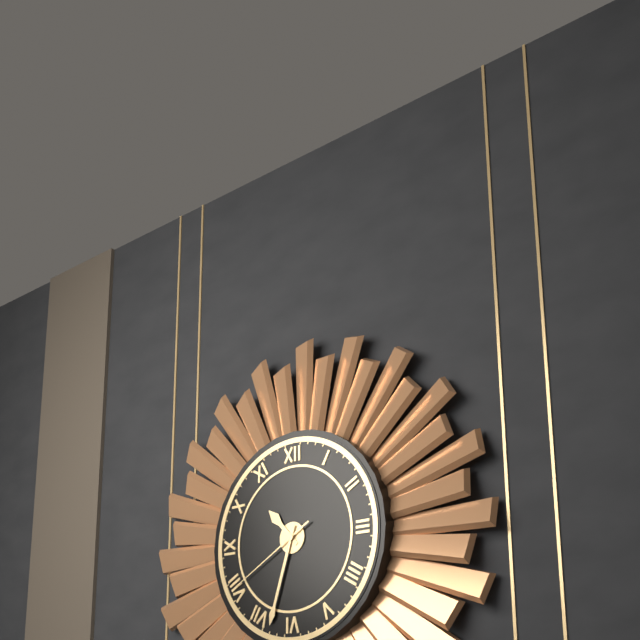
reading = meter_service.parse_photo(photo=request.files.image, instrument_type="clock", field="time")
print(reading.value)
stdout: 10:33:40
